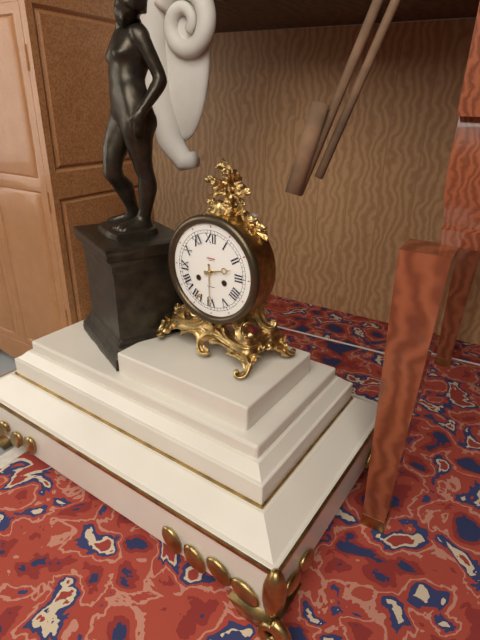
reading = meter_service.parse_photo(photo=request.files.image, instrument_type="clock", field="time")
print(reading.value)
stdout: 2:30
